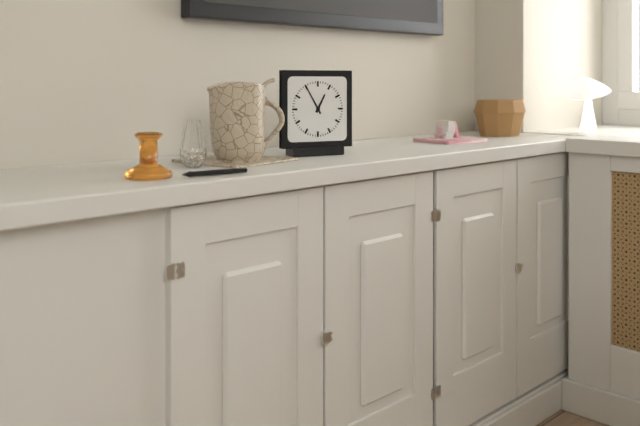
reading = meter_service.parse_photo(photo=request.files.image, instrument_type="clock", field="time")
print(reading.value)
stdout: 12:55
